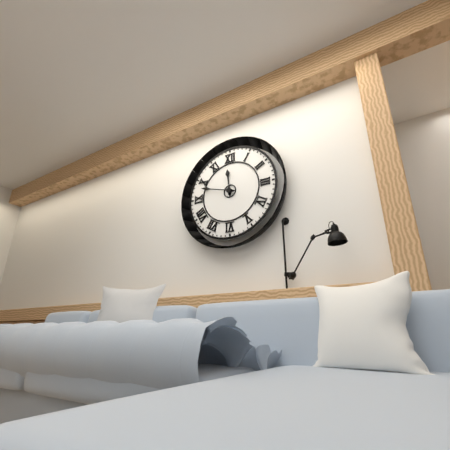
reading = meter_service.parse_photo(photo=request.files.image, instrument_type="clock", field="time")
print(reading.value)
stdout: 11:48
